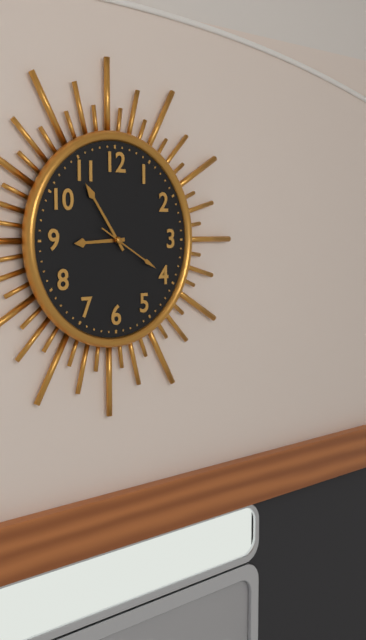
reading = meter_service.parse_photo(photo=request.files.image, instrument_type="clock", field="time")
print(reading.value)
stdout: 8:54:20
